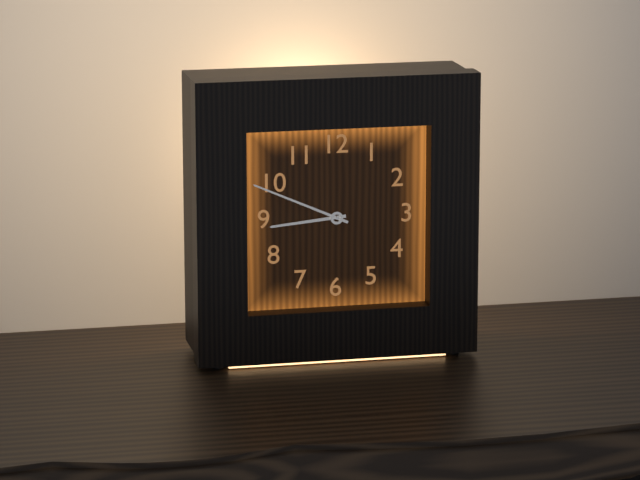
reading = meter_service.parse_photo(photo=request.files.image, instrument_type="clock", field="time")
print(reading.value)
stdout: 8:49
